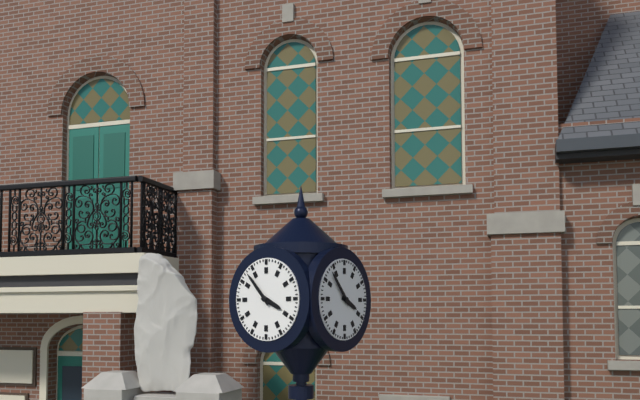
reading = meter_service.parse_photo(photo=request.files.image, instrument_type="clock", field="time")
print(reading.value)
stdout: 3:53
